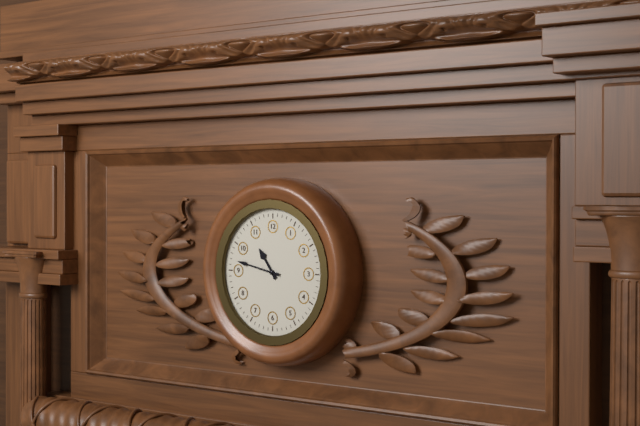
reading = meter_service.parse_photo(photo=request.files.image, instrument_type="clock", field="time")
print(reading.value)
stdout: 10:47
